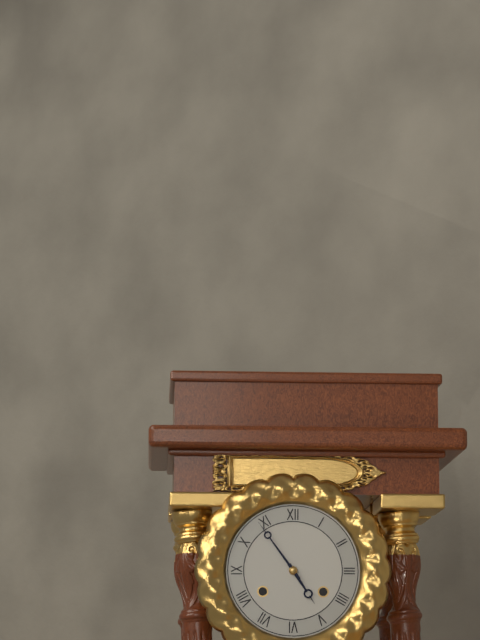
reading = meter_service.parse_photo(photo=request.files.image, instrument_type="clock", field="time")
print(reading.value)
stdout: 4:54
